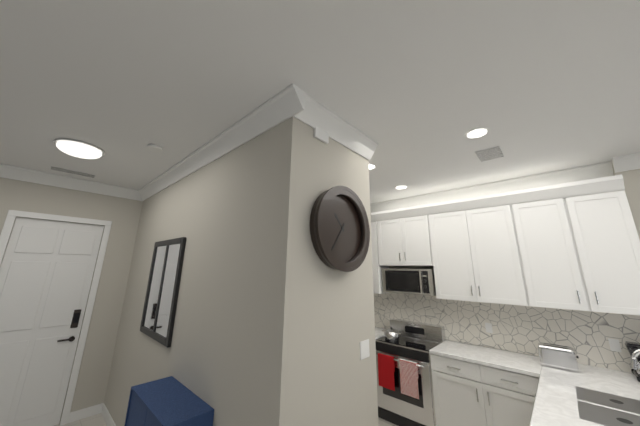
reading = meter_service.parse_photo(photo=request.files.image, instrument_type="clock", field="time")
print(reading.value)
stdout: 10:36
